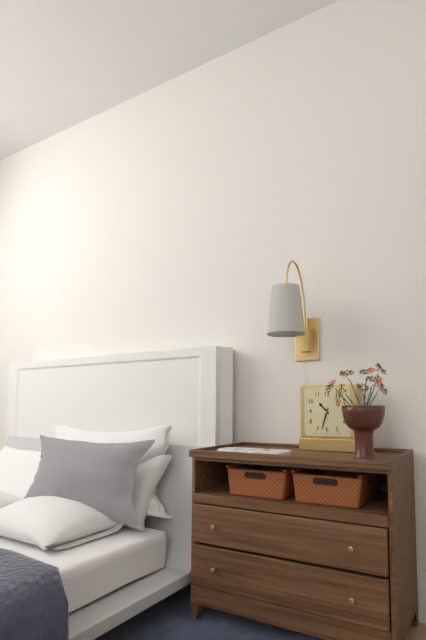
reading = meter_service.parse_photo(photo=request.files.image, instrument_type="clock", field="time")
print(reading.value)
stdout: 10:33
